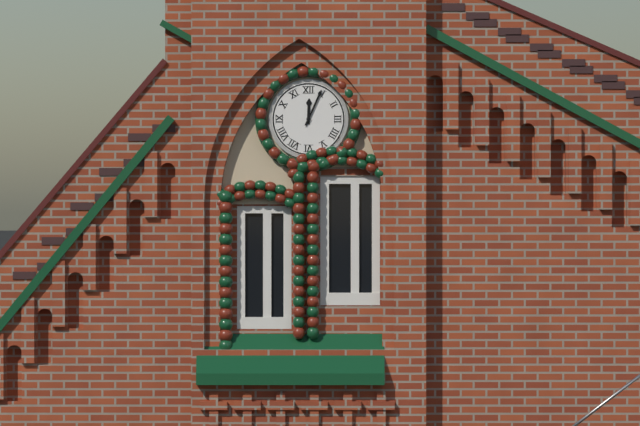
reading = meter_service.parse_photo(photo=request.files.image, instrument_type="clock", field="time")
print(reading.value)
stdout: 12:04
